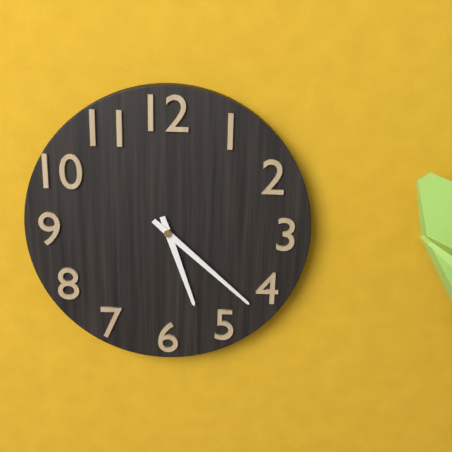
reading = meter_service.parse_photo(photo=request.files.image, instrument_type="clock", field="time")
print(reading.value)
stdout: 5:22
